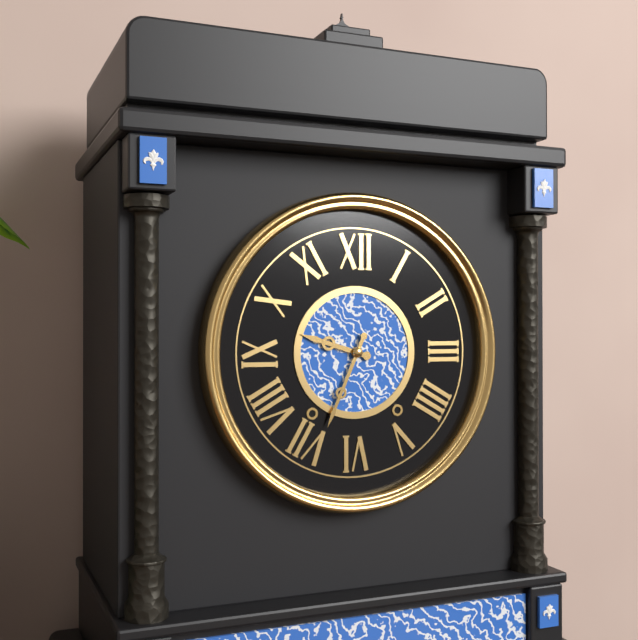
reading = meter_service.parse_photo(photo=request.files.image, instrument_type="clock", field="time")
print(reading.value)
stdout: 9:34
